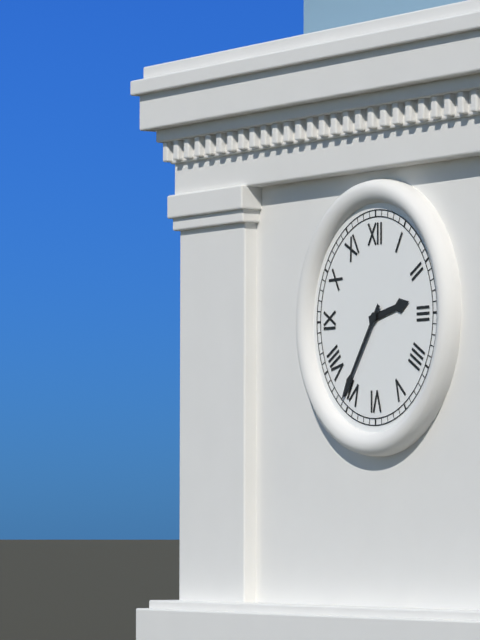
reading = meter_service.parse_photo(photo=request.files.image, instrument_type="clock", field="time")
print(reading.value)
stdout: 2:36
